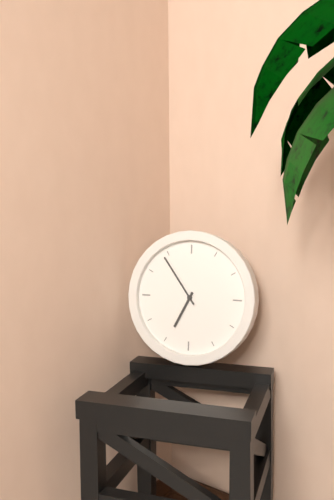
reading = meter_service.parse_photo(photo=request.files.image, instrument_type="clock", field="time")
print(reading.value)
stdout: 6:54
